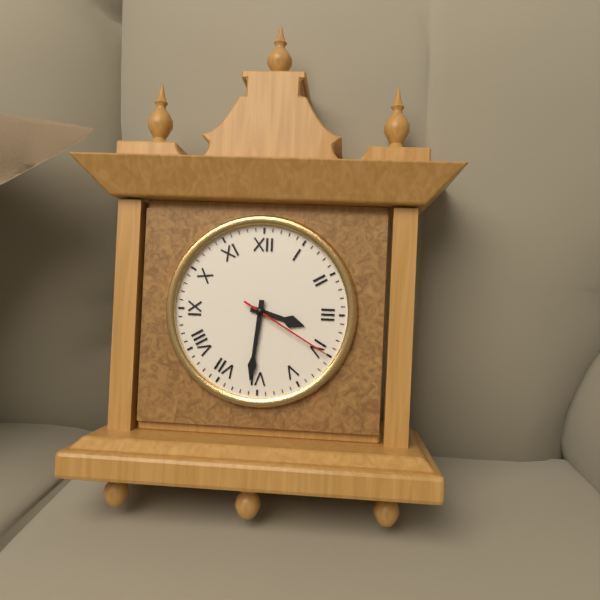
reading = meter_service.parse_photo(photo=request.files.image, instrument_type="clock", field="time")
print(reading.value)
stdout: 3:31:20
